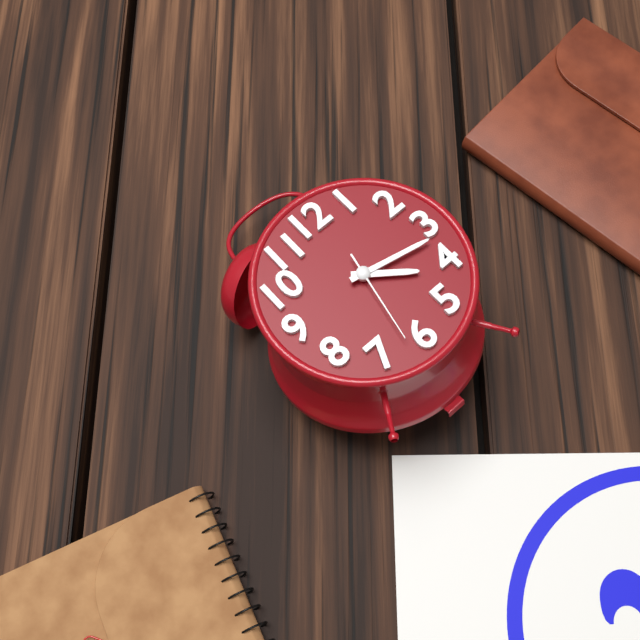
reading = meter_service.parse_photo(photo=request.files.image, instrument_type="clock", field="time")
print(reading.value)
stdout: 4:17:32
